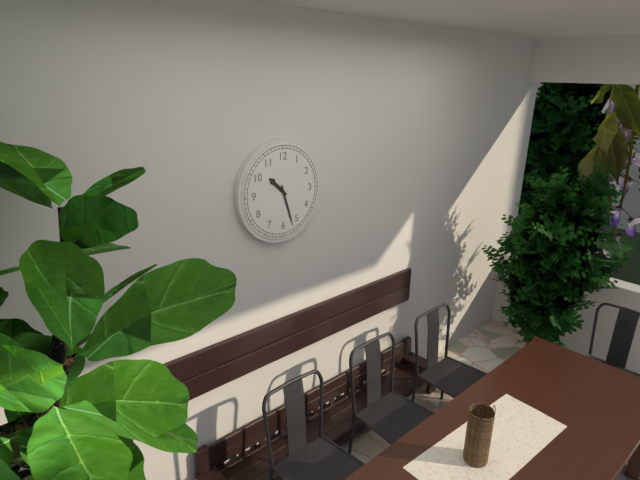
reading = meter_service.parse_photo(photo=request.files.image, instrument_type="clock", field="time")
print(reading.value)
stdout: 10:27
